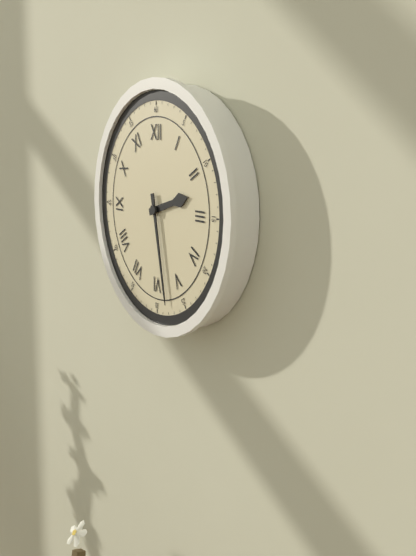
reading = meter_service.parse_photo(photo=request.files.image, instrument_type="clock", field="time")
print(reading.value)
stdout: 2:28
